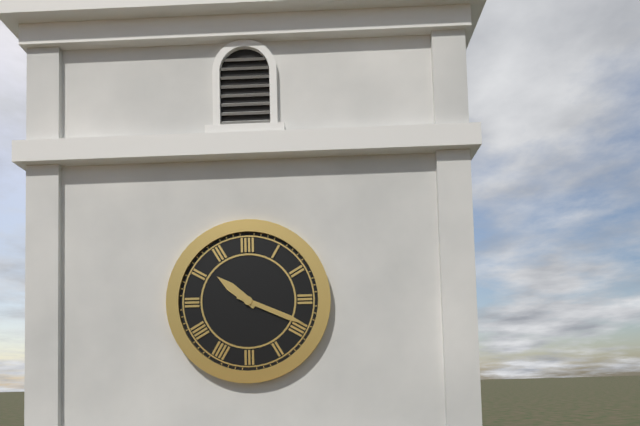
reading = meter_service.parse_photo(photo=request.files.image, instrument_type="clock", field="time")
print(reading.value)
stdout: 10:19
